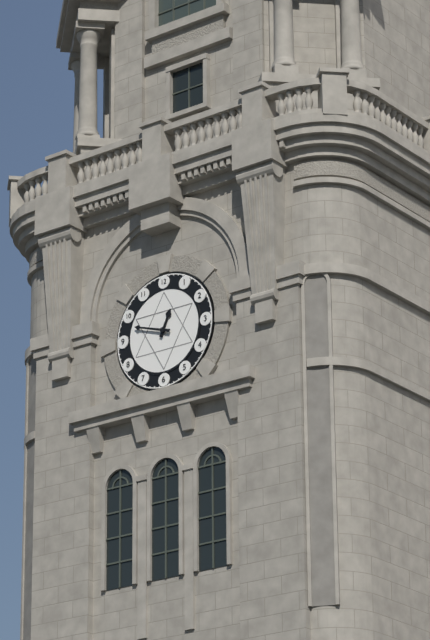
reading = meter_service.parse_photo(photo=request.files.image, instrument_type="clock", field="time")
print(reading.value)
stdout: 12:48
